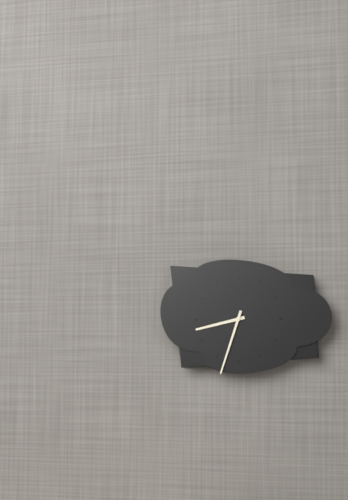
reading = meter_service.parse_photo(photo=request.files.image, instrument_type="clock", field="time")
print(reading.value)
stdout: 8:33
